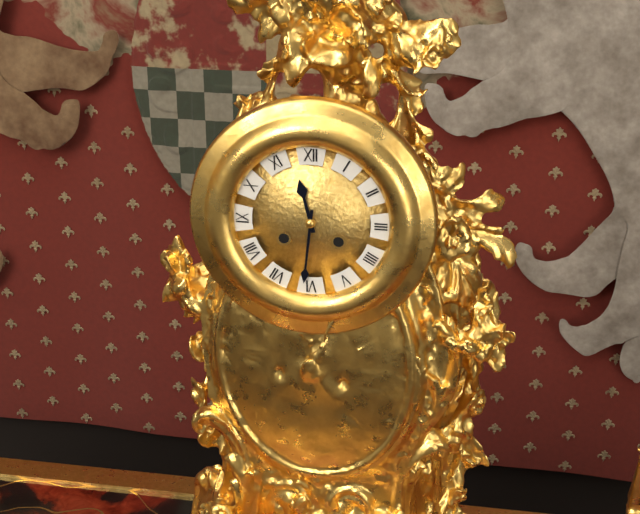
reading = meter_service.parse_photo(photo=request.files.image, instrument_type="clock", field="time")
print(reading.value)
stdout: 11:31
